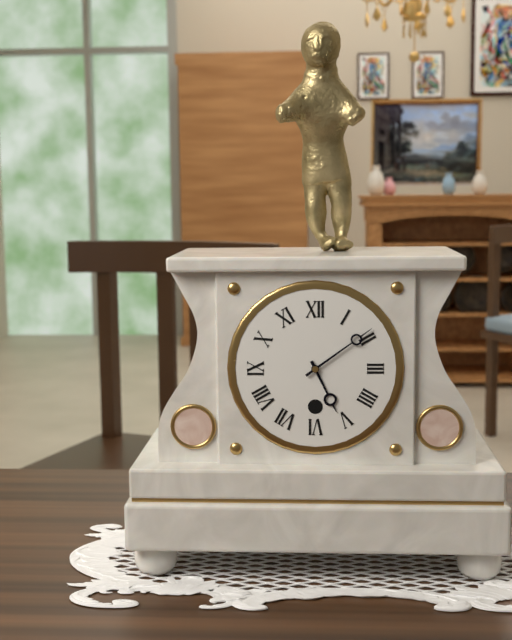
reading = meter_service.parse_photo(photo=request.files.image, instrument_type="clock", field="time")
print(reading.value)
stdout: 5:09
